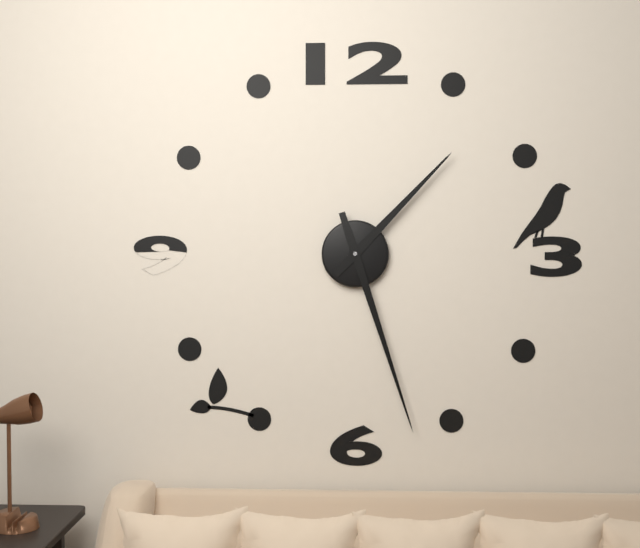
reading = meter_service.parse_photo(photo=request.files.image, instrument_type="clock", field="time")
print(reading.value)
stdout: 1:27
